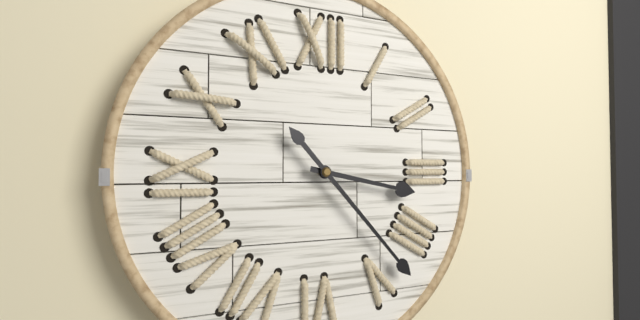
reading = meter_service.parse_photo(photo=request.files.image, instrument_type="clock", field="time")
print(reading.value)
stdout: 3:23
